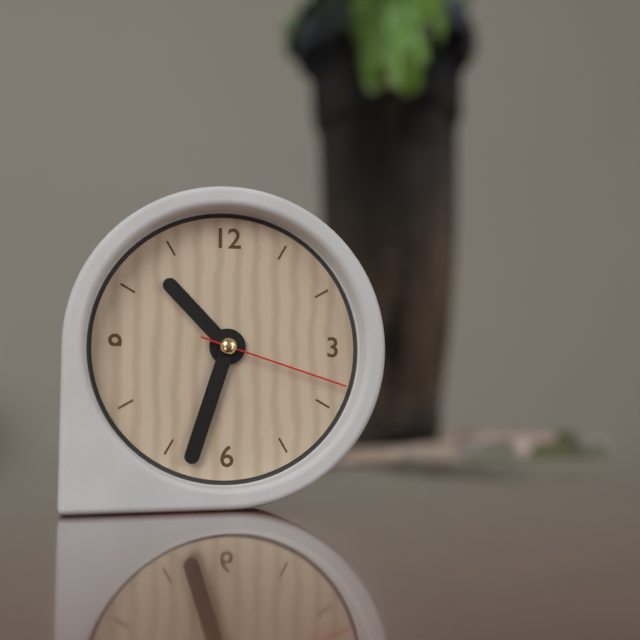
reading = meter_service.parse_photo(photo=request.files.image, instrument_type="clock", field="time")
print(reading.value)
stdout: 10:33:18
